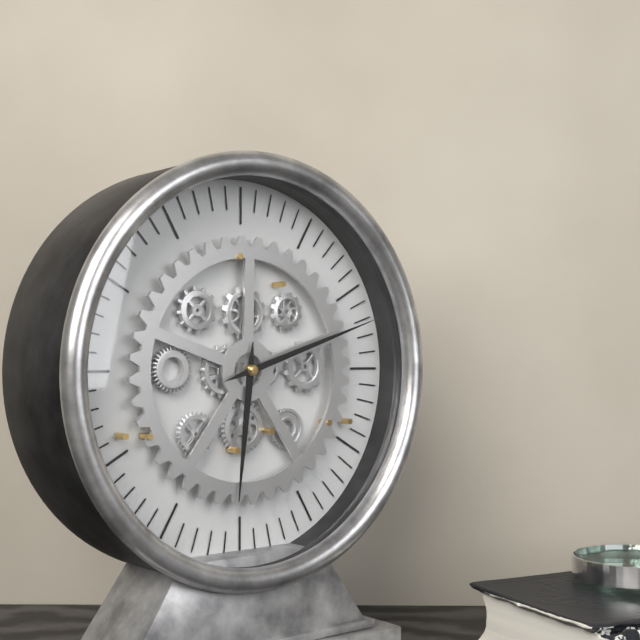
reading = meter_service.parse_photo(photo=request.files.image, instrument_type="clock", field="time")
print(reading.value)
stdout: 6:12
